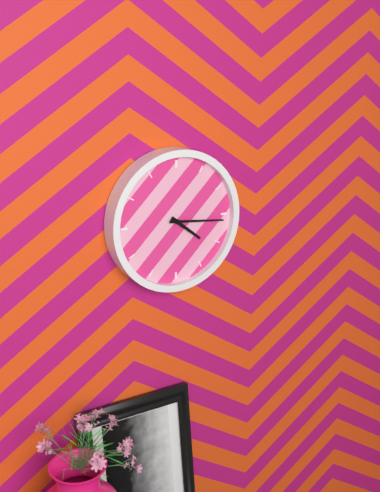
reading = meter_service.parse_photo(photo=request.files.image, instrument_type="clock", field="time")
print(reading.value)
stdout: 4:16
